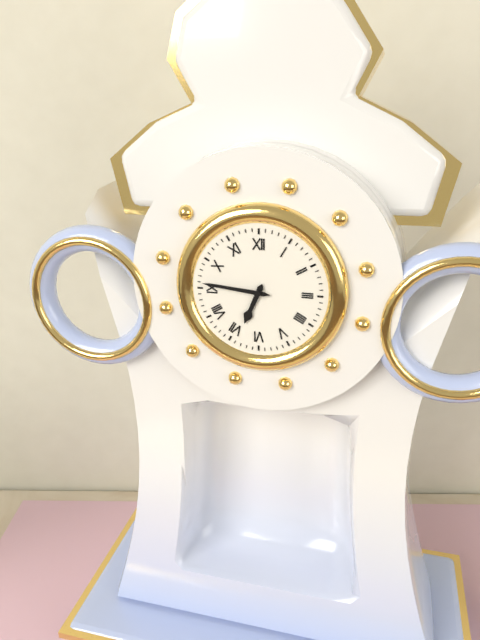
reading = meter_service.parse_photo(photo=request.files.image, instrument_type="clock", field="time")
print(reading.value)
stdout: 6:46
